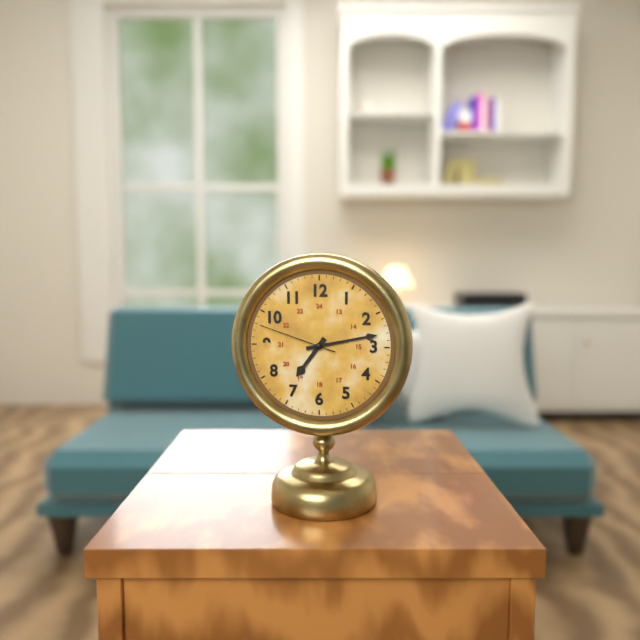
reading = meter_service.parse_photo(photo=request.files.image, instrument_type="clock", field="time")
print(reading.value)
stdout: 7:13:48
